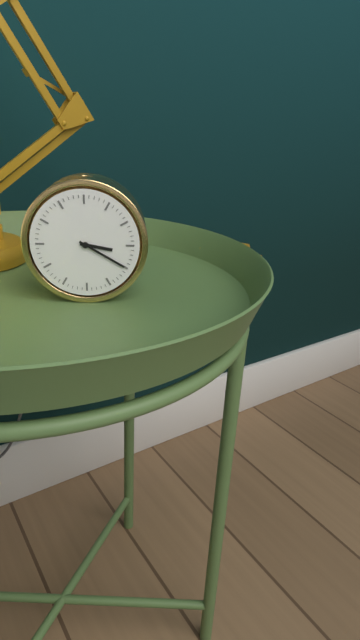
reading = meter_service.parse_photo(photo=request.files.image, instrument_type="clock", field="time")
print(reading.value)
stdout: 3:20
